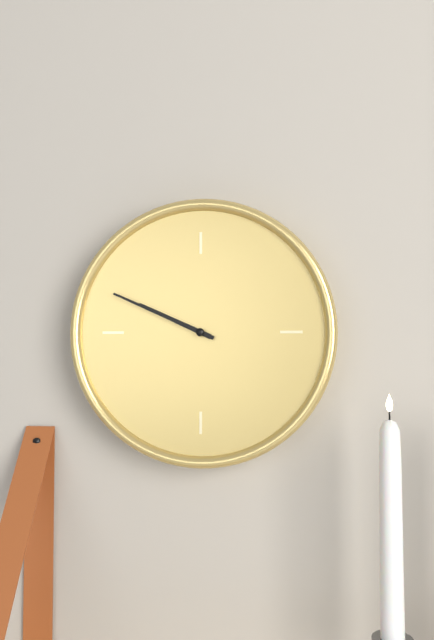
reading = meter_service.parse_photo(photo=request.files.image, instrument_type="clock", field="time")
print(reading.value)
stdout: 9:49
